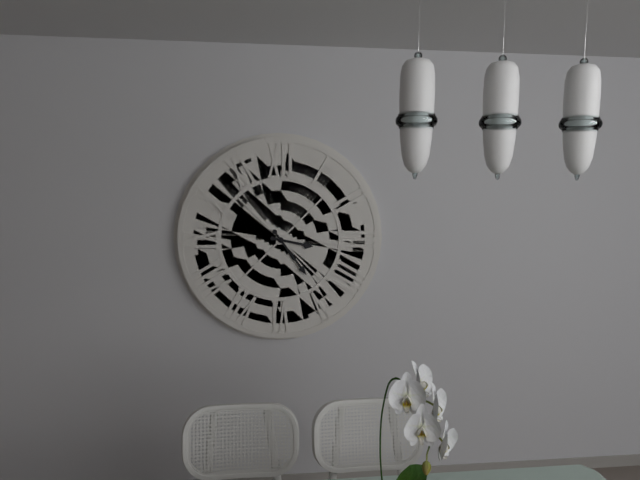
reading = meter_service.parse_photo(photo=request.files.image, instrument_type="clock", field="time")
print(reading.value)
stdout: 3:24
